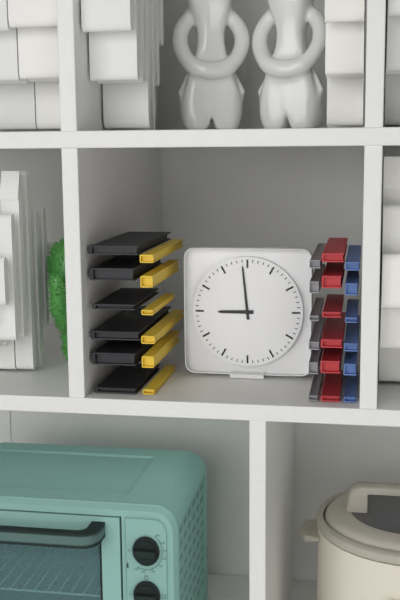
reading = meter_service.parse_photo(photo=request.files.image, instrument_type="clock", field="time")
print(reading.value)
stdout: 8:59
